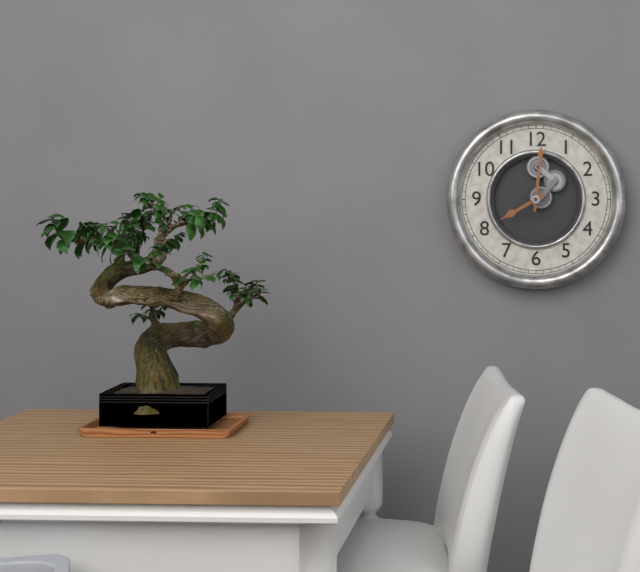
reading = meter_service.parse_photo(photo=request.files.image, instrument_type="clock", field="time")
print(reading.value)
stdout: 8:01
